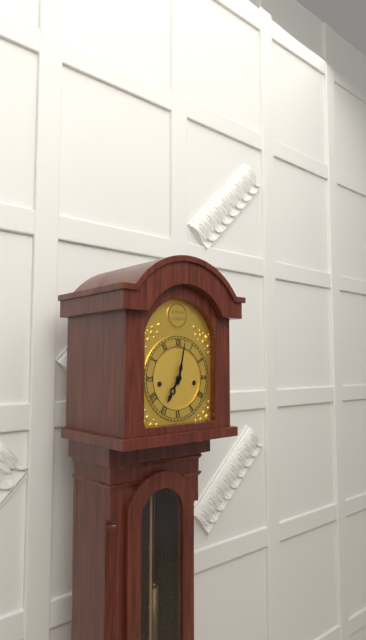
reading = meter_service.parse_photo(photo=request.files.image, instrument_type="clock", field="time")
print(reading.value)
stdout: 7:02
